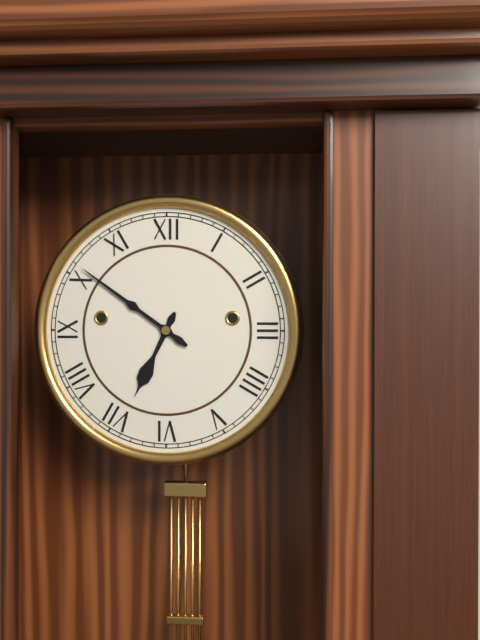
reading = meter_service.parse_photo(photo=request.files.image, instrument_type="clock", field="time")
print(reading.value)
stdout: 6:51
